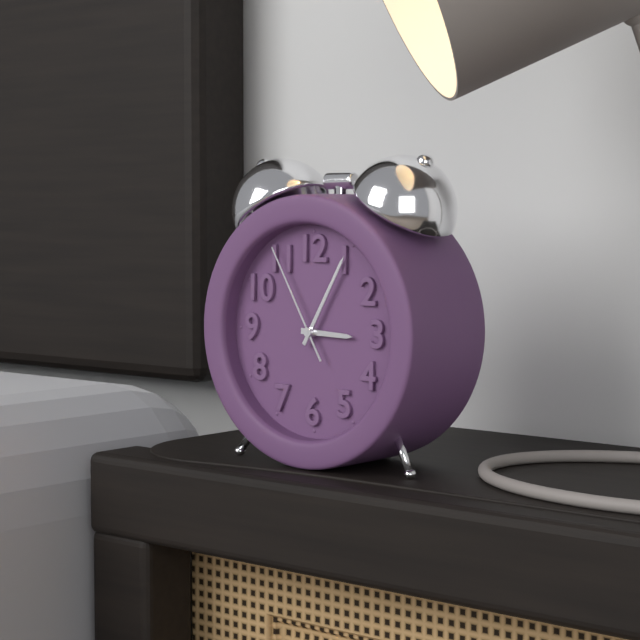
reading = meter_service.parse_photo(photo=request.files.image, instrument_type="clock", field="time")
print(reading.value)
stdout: 3:05:55
